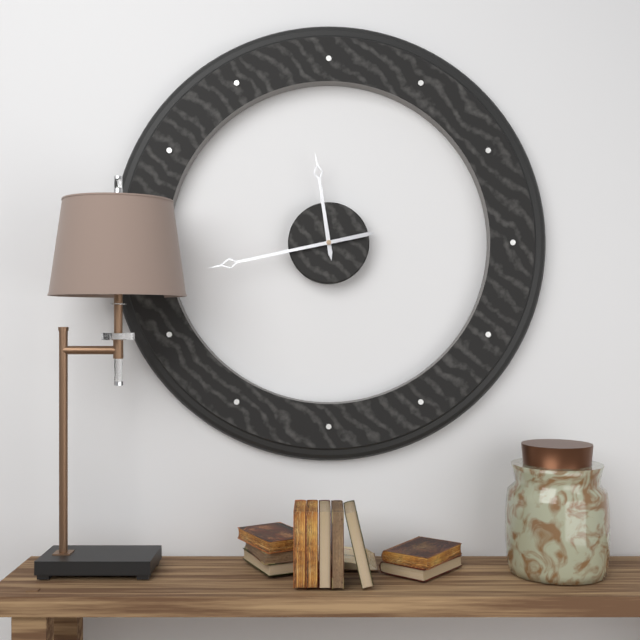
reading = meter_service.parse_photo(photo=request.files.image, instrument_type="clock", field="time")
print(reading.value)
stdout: 11:43
